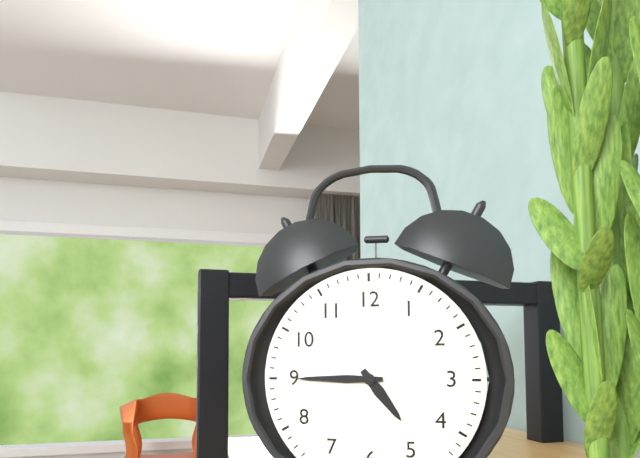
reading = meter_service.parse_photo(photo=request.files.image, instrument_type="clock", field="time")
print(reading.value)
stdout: 4:45
